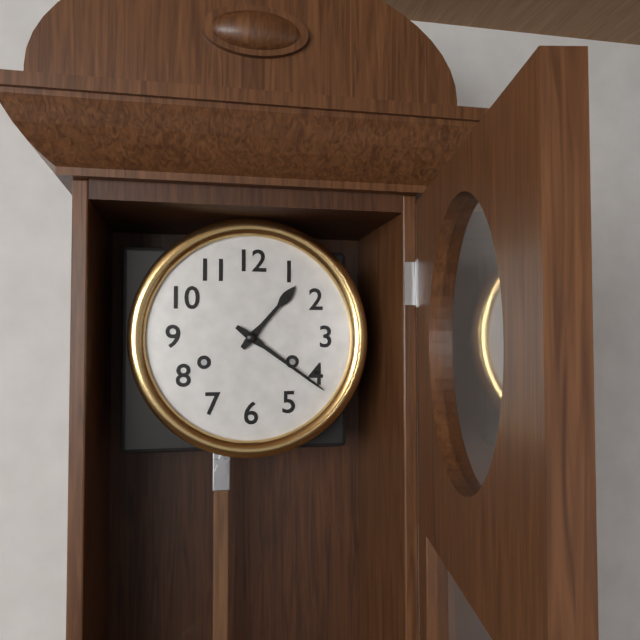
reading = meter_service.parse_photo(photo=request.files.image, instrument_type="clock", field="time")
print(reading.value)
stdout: 1:21
